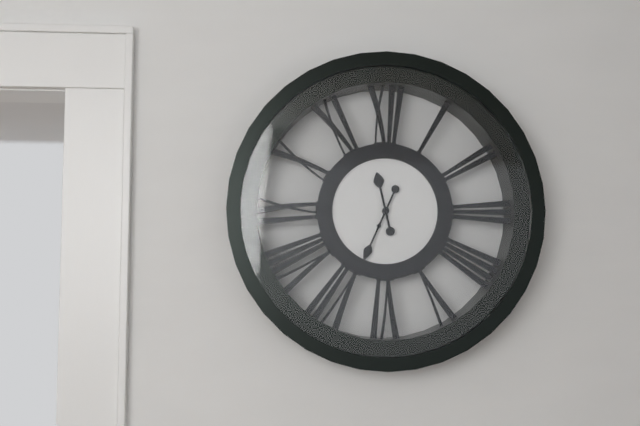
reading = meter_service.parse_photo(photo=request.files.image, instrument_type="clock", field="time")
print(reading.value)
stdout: 11:34
